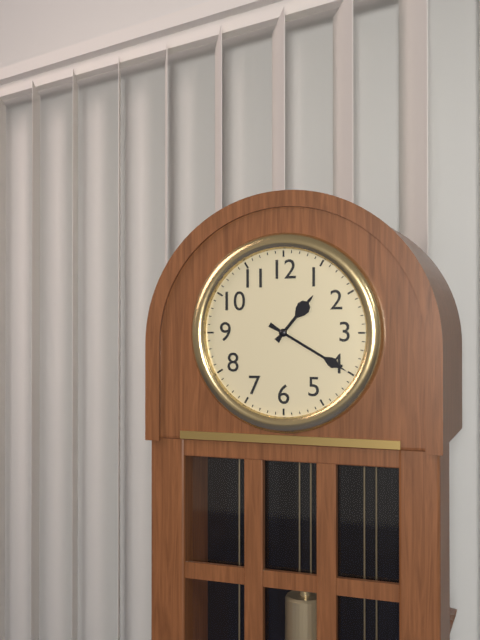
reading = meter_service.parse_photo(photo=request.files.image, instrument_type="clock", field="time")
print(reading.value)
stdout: 1:20
